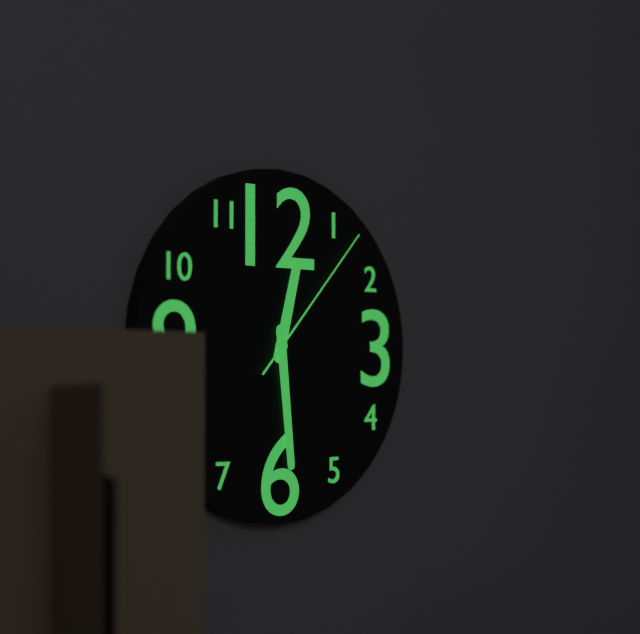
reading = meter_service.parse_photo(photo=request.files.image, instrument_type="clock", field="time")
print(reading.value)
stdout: 12:29:07
